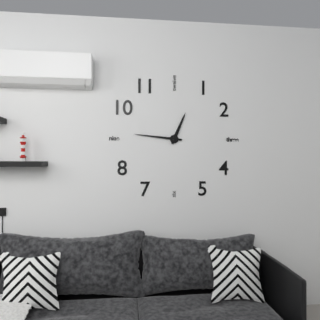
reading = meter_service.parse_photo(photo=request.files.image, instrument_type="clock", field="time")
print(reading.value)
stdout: 12:46
